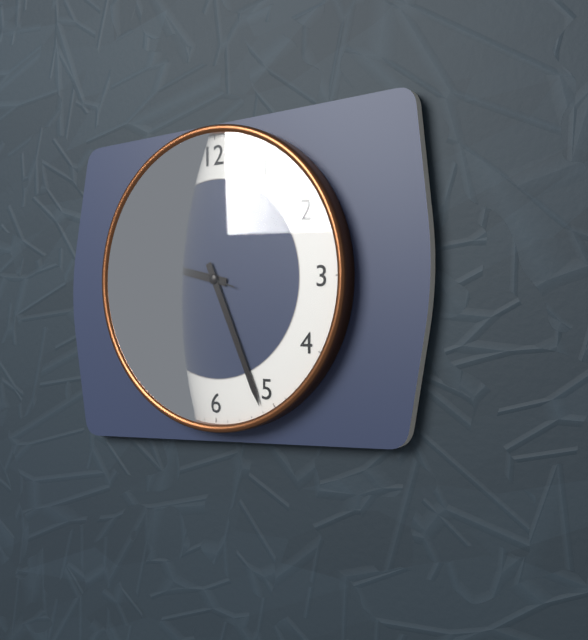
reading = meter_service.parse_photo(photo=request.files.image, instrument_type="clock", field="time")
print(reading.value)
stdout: 9:26:48
